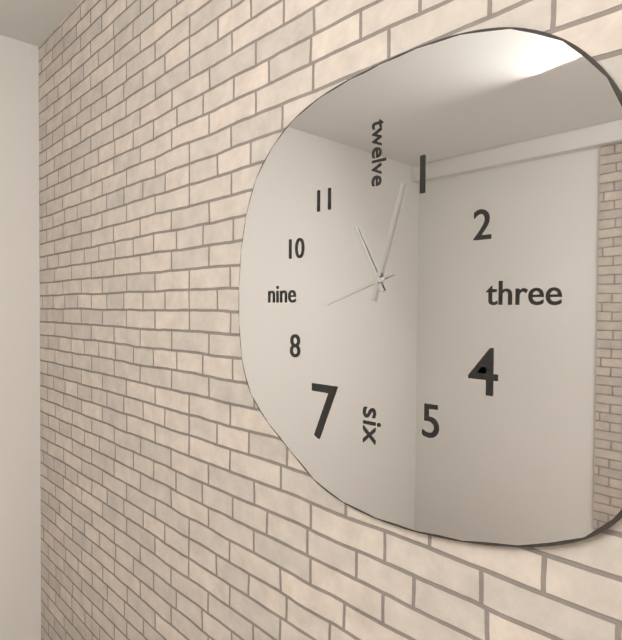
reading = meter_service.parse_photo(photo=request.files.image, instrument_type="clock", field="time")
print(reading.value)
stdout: 11:03:42
